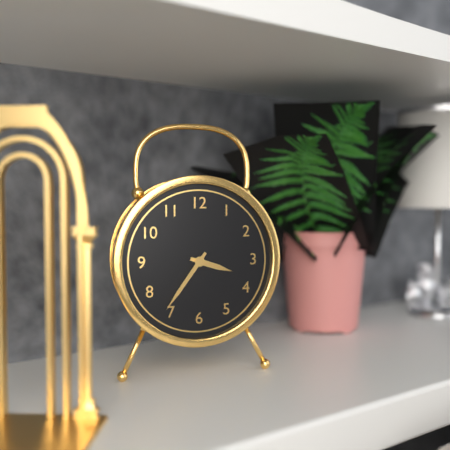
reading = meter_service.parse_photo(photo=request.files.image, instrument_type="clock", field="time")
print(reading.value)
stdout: 3:36
